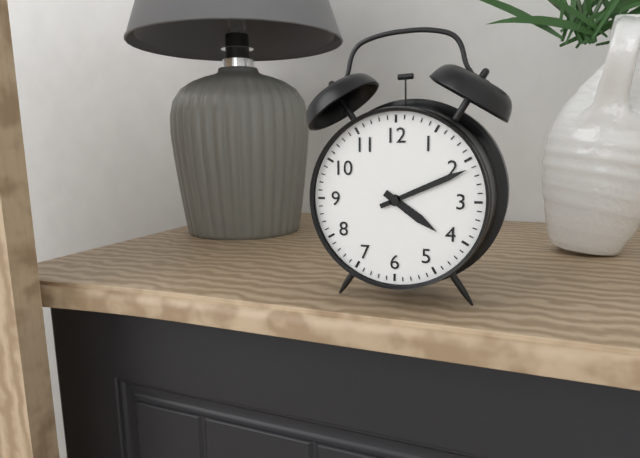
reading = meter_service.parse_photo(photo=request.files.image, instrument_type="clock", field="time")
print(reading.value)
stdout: 4:11
